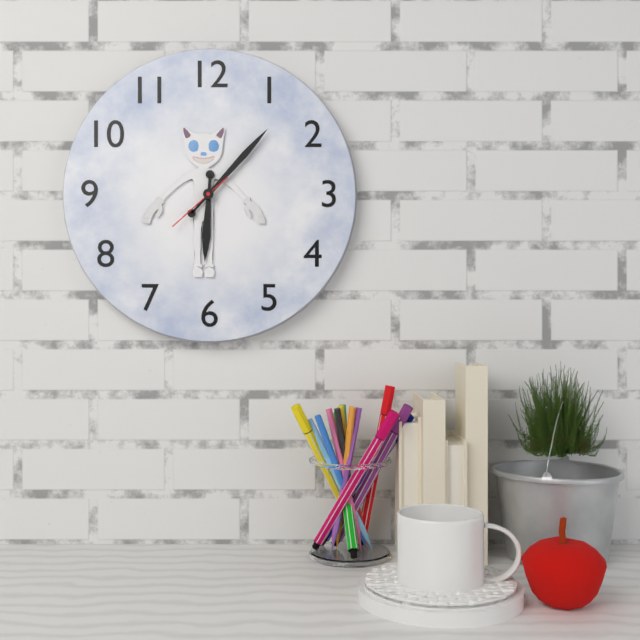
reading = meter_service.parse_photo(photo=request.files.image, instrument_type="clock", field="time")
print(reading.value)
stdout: 6:07:38
